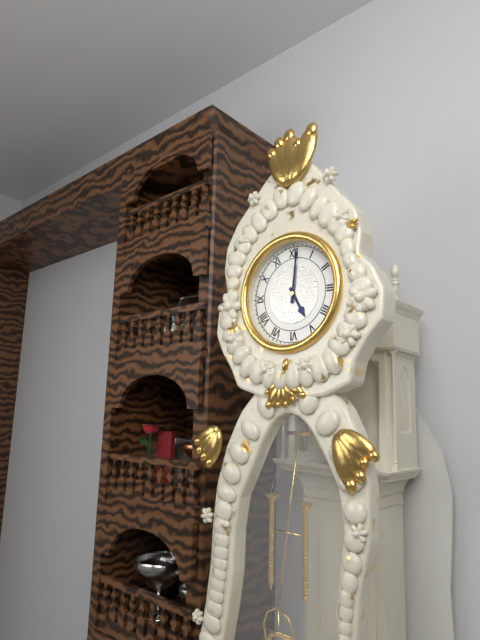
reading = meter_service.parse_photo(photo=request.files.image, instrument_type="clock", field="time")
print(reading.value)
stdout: 5:01
